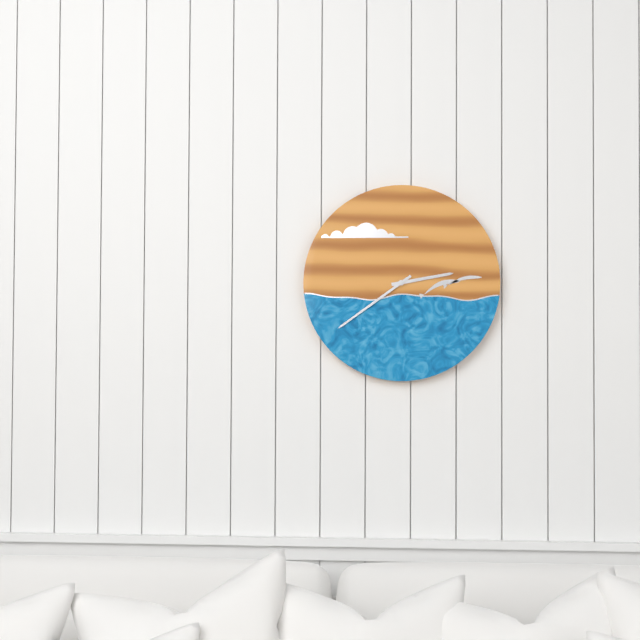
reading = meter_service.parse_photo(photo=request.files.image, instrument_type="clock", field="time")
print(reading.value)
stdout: 2:39
